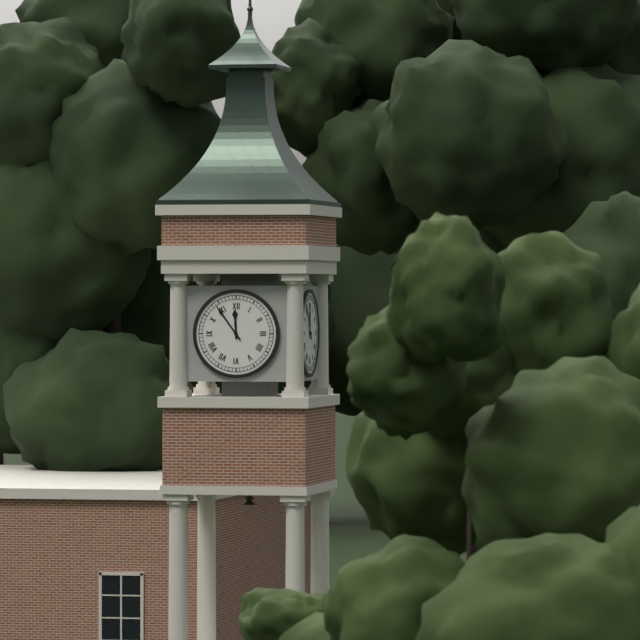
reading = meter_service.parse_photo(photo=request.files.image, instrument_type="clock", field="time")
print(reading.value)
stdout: 11:54
